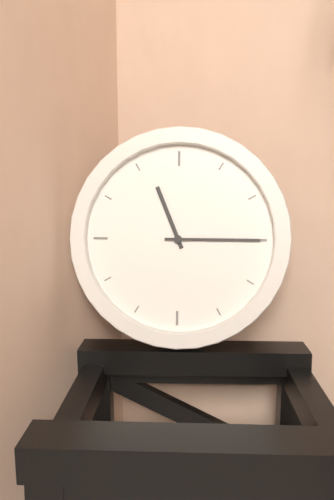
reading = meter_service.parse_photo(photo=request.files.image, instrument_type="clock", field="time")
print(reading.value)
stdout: 11:15
